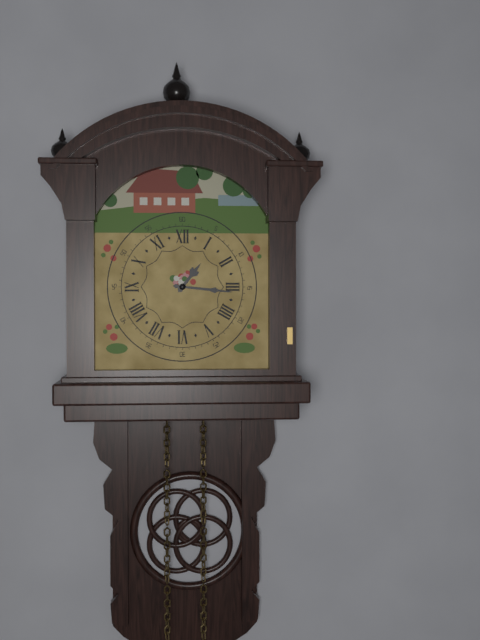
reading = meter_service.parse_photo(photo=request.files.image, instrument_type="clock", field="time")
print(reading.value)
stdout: 1:16
